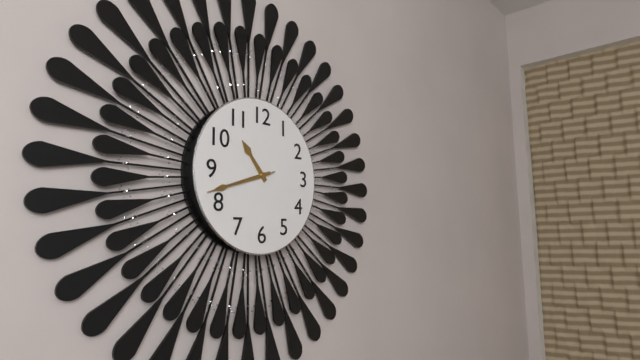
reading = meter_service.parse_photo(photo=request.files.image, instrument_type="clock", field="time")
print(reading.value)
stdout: 10:42:42
